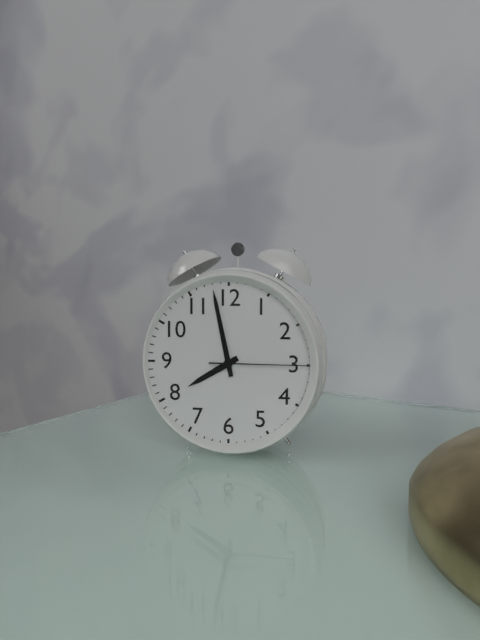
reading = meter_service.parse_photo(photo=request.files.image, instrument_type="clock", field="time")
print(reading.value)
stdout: 7:58:15
